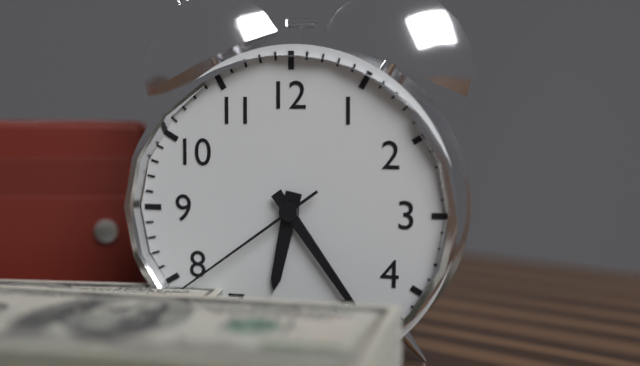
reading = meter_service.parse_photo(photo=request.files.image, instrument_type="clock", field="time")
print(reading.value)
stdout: 6:24:39
